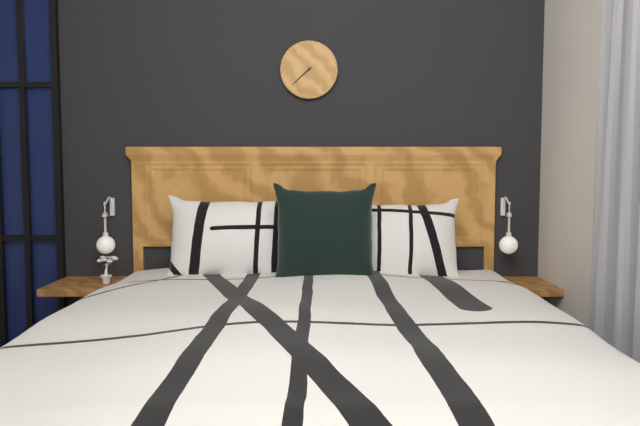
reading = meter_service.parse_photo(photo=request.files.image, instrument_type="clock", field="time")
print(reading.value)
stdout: 7:38
